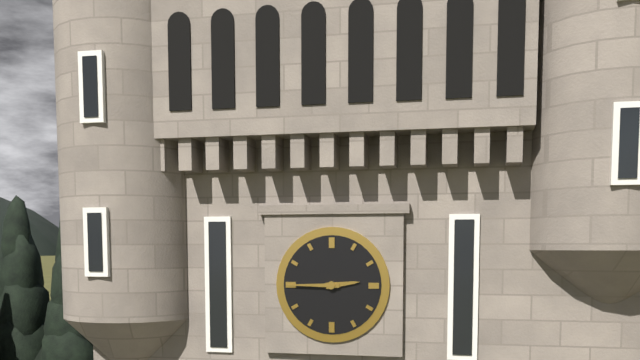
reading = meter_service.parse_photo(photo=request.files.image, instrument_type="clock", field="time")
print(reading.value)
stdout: 2:45
